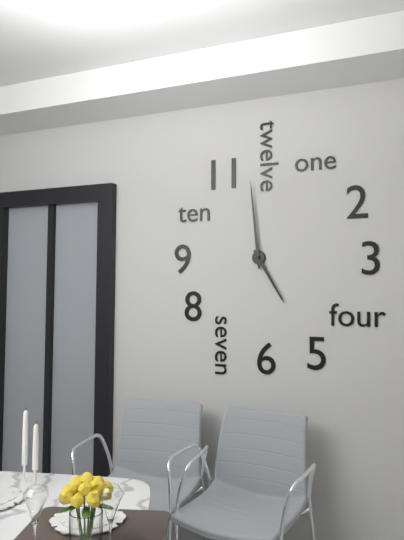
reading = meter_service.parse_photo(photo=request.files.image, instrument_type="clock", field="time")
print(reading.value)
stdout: 4:59
